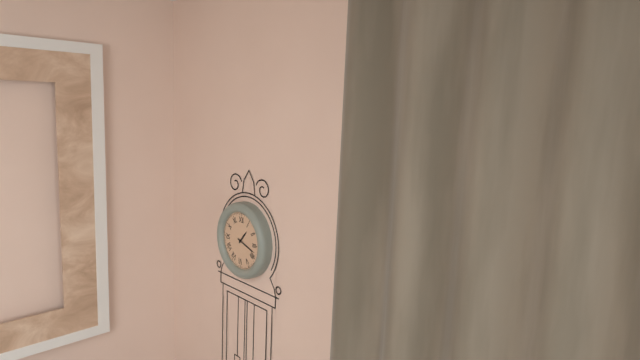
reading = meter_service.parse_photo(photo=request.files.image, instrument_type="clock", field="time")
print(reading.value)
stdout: 1:18
